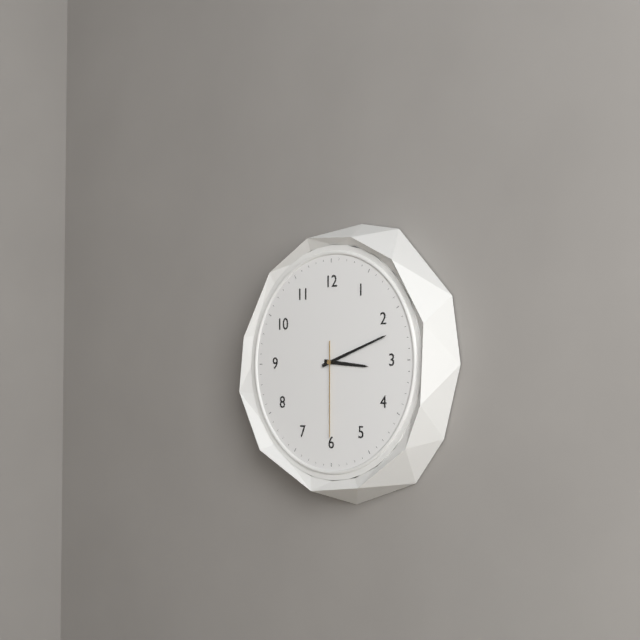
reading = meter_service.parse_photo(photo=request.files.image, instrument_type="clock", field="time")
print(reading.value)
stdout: 3:12:30
